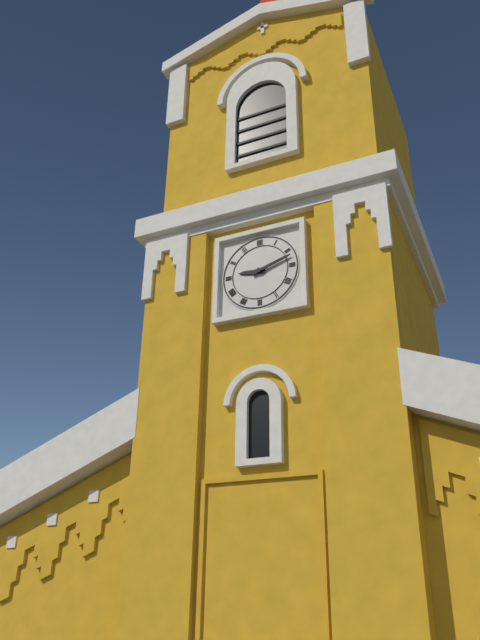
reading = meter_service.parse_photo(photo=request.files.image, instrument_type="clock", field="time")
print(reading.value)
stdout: 9:12
